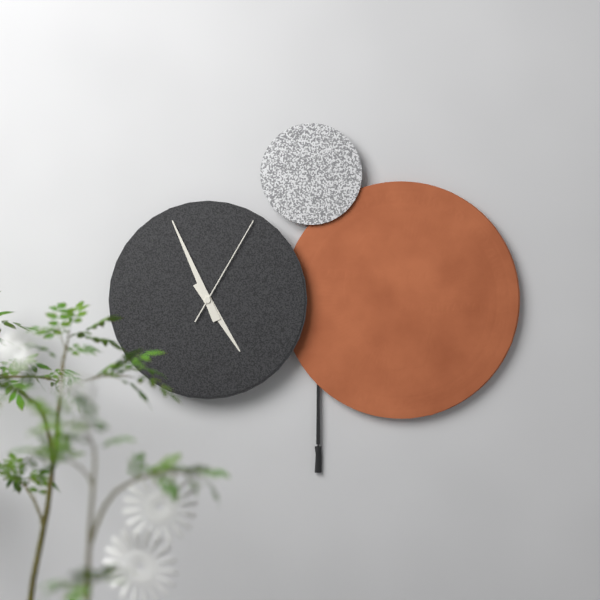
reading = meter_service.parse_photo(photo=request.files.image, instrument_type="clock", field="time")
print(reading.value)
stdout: 4:56:05
